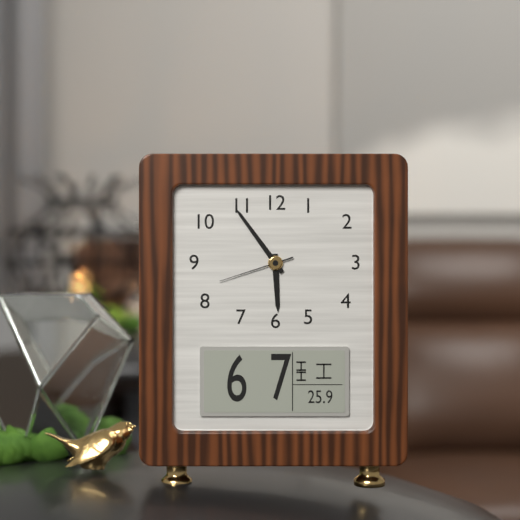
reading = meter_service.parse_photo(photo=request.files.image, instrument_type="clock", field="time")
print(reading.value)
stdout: 5:54:42
